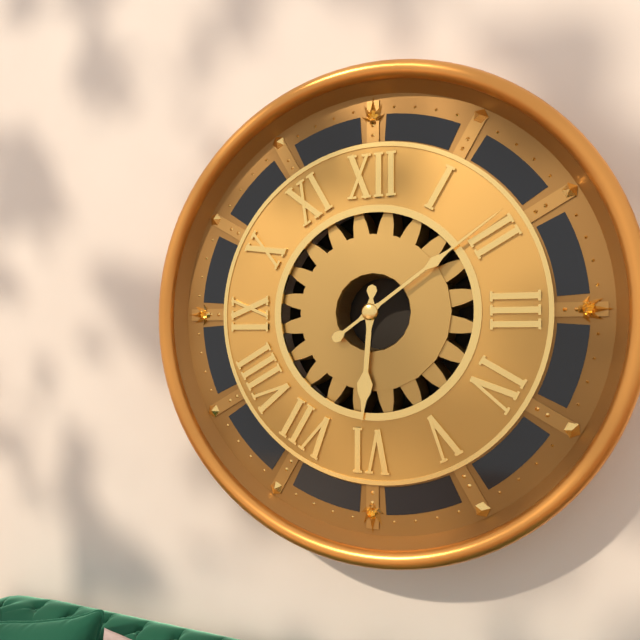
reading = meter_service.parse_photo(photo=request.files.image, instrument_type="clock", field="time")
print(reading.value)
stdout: 6:09
